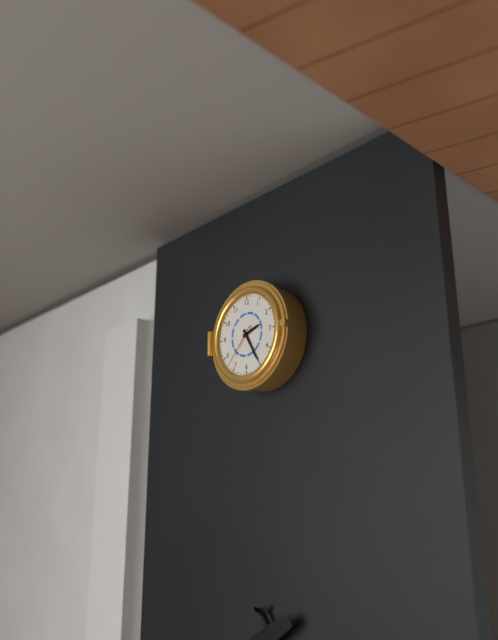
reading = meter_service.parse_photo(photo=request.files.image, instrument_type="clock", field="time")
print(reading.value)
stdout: 2:25
